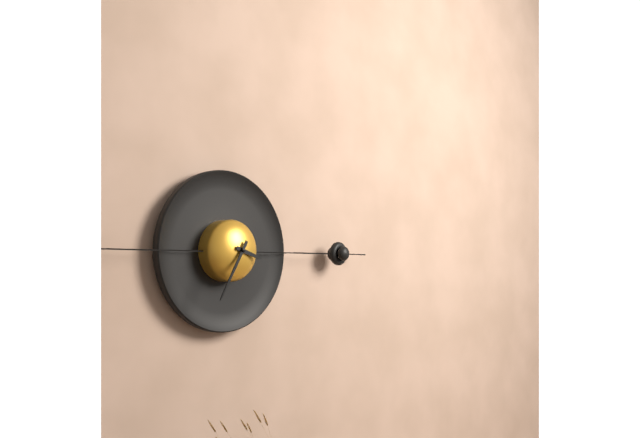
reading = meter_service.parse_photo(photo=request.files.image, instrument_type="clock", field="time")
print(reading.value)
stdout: 3:35
